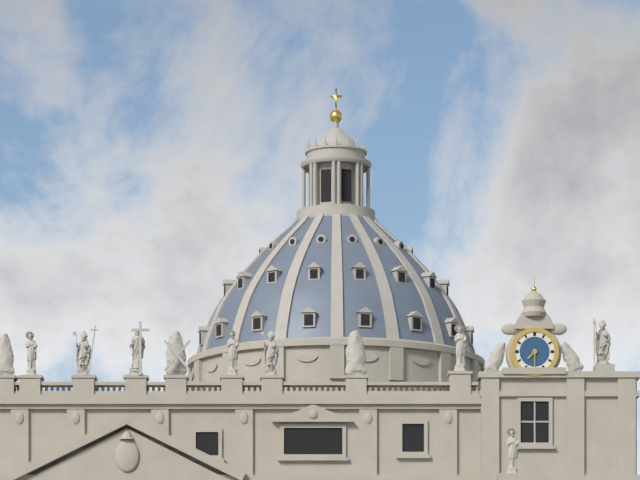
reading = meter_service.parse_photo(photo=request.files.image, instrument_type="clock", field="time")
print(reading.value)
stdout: 7:30
